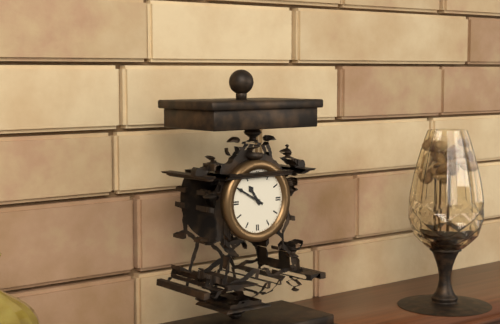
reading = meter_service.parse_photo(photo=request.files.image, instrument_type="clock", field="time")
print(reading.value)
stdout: 10:50
